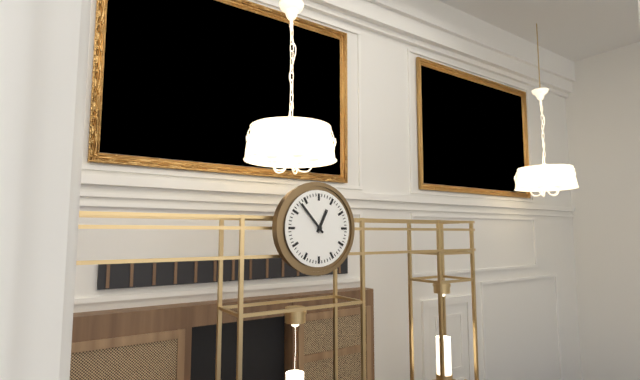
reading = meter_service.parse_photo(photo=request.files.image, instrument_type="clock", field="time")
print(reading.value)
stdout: 12:53
